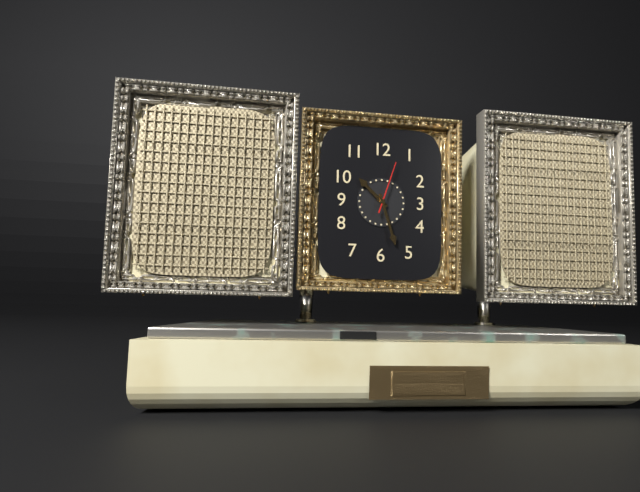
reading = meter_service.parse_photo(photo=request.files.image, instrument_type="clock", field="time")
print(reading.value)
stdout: 10:27:03
